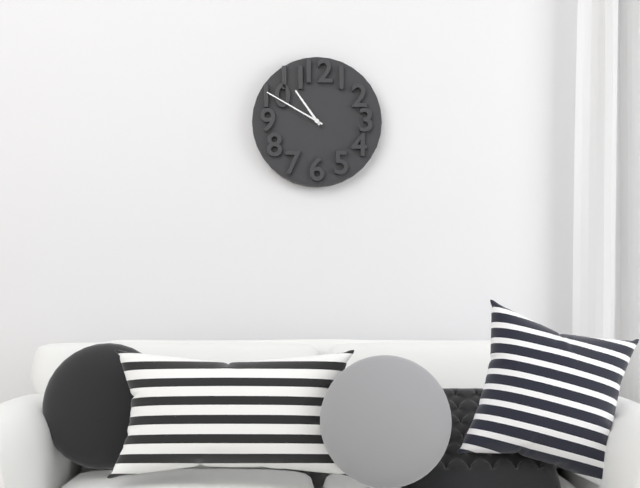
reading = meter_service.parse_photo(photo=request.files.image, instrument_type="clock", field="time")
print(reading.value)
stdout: 10:50
